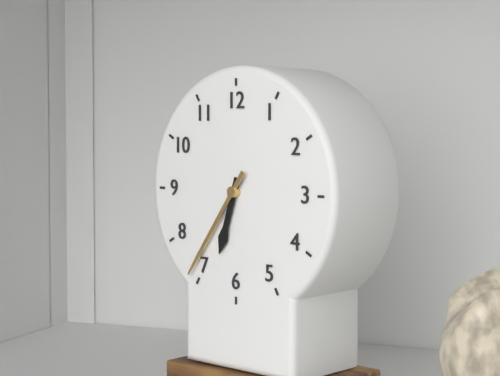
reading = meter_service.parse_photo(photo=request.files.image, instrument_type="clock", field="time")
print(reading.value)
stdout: 6:36
